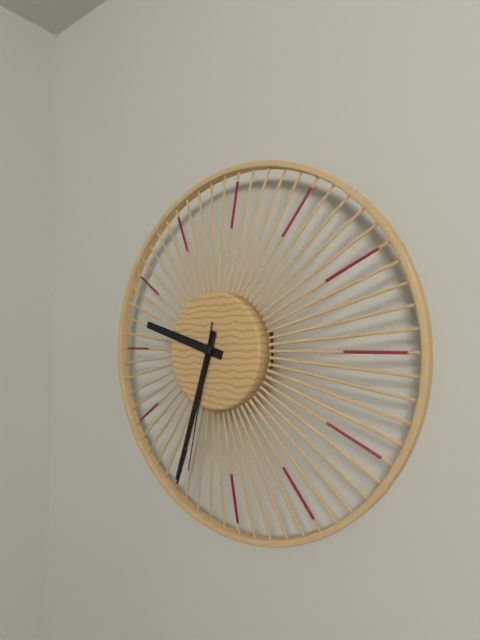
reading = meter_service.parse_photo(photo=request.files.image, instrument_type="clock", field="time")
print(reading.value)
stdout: 9:33:32
